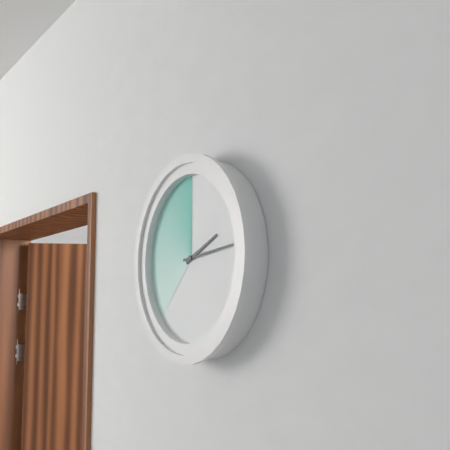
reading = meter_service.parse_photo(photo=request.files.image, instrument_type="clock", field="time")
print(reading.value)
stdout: 2:14
